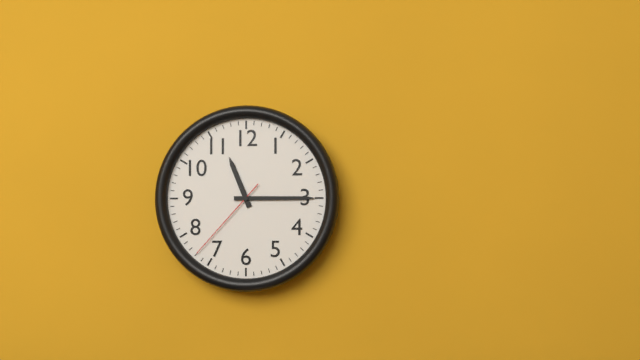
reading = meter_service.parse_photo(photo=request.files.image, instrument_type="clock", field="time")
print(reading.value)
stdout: 11:15:37
